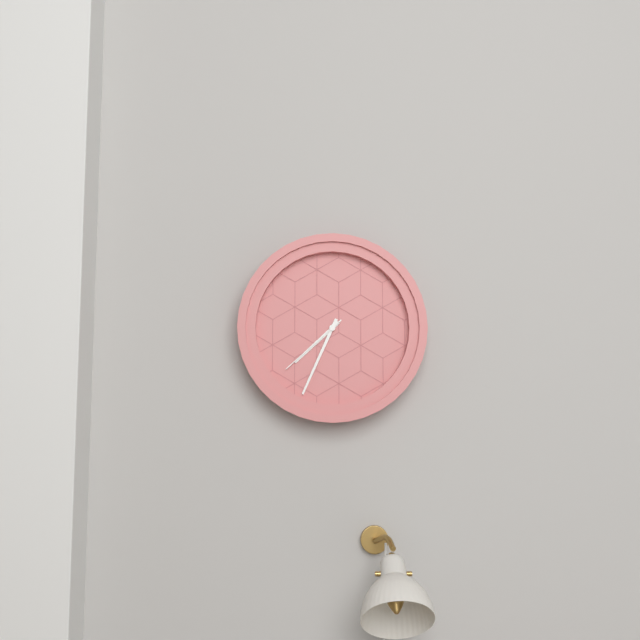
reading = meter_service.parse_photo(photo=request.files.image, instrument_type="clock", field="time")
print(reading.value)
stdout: 7:34:38
